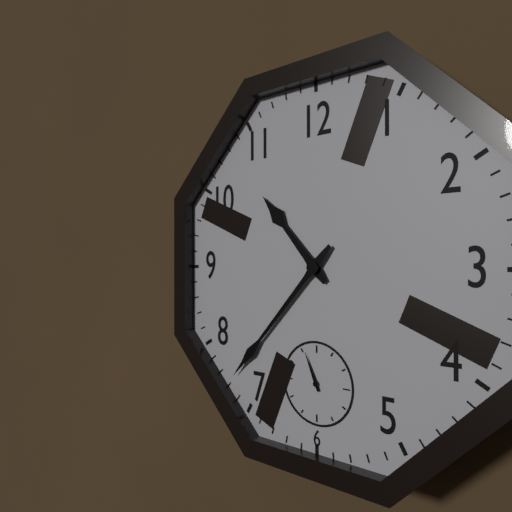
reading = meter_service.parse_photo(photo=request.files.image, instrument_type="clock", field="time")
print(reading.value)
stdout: 10:37
